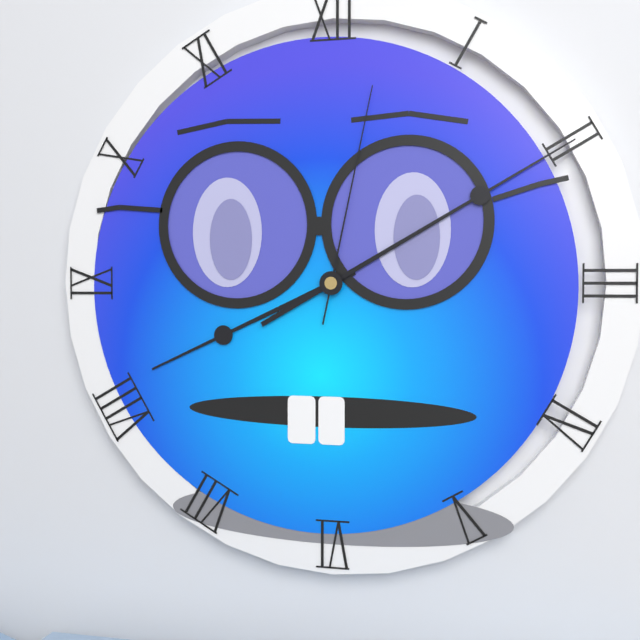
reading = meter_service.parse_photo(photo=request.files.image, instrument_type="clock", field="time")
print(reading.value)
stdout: 8:10:02
